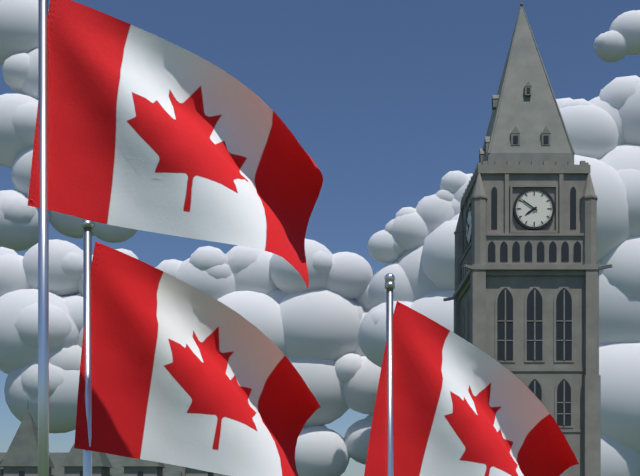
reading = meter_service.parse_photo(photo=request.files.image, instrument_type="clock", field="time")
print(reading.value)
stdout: 7:51
